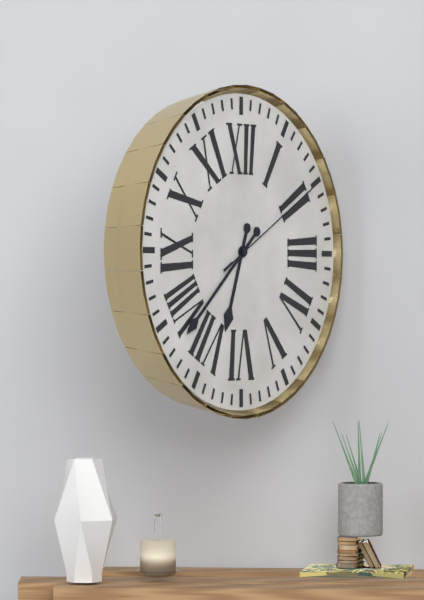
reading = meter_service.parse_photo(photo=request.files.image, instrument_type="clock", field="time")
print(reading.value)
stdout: 6:38:10
